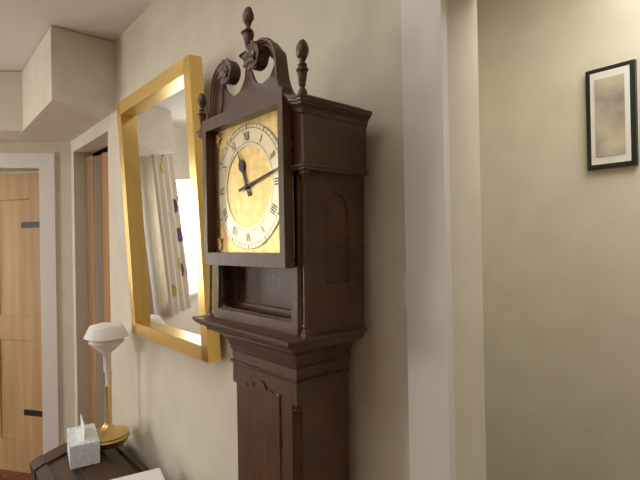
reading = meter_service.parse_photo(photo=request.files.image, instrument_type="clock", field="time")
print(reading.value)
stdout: 11:13
